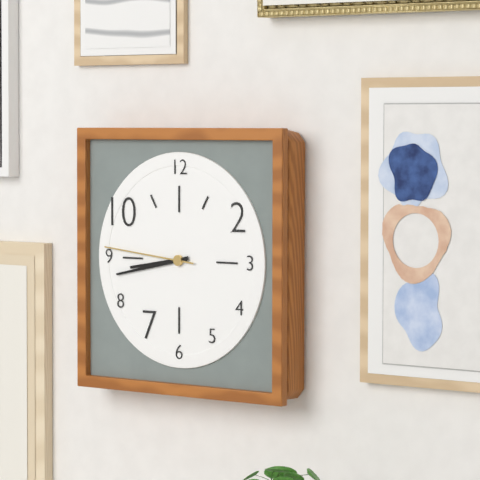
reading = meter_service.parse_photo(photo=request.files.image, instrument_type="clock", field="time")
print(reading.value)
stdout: 8:43:46
